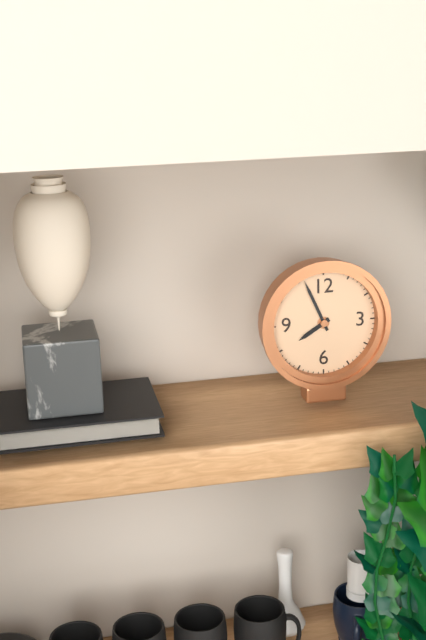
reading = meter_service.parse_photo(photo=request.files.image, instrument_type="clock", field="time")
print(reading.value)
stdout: 7:56
